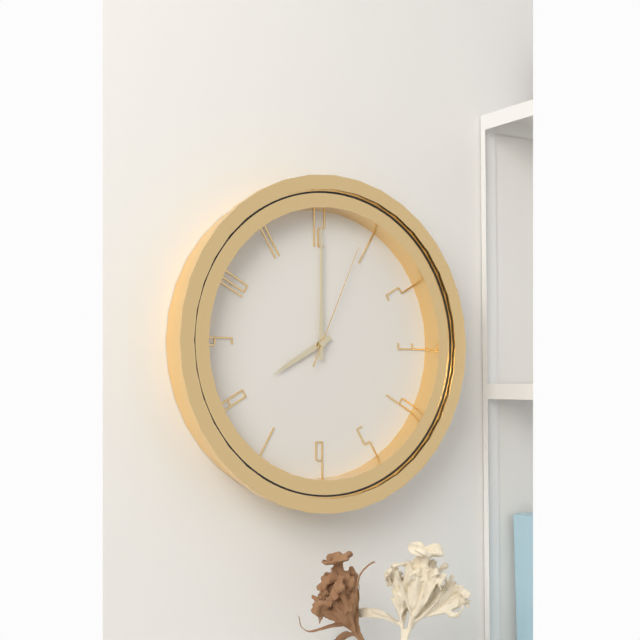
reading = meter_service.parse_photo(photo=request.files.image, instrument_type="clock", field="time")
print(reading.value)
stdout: 8:00:04
